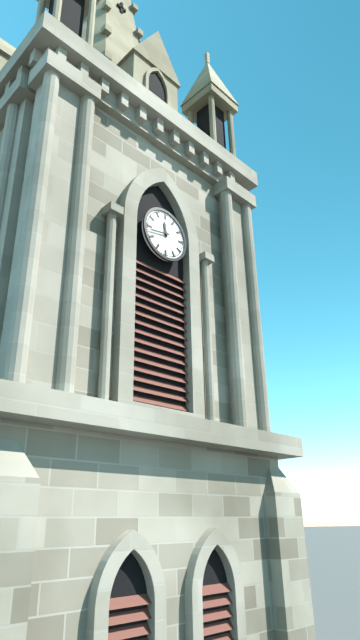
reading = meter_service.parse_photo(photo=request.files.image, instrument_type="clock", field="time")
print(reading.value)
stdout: 11:43
